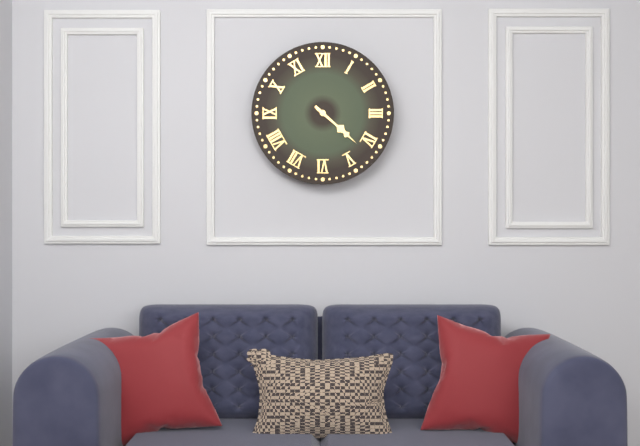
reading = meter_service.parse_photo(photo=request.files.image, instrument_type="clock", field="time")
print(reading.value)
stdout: 4:22
